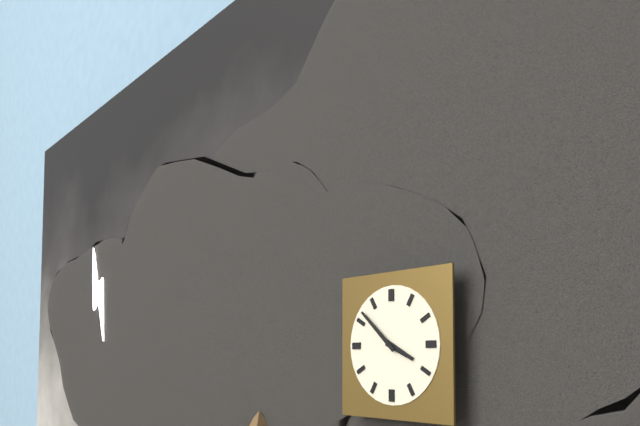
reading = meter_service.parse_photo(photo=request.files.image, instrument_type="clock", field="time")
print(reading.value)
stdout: 3:52
